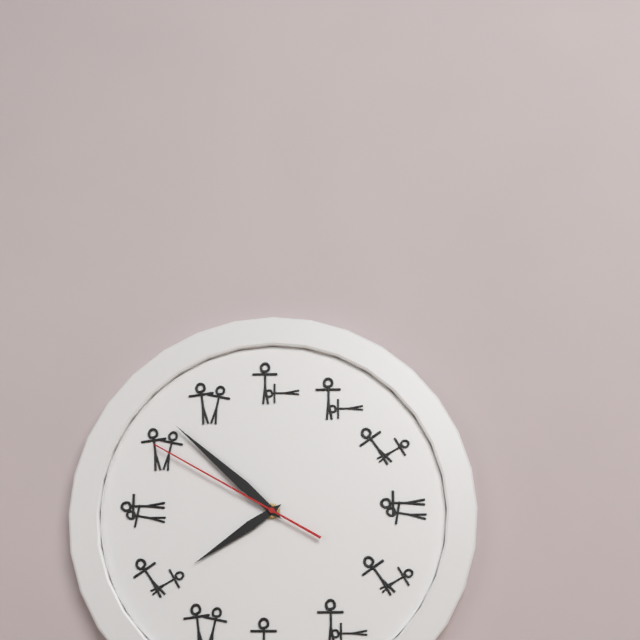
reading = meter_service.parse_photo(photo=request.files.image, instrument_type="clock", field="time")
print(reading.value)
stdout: 7:52:50
